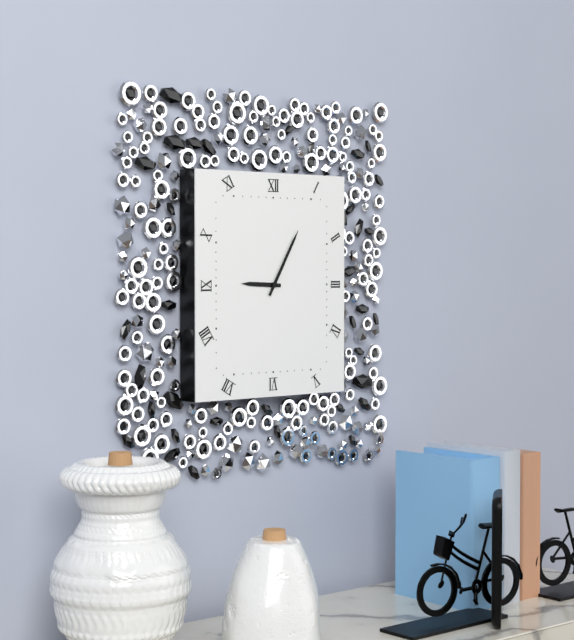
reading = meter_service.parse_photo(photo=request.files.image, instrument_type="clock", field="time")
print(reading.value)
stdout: 9:05
